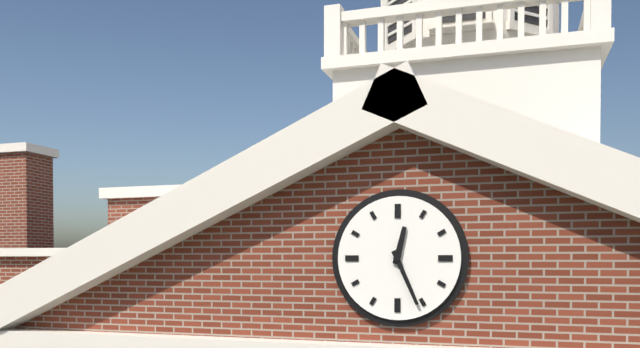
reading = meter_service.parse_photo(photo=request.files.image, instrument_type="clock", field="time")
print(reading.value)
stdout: 12:26
